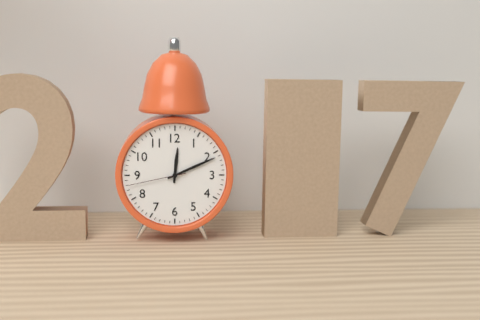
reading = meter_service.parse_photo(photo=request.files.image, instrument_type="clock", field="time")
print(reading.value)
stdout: 12:11:43
